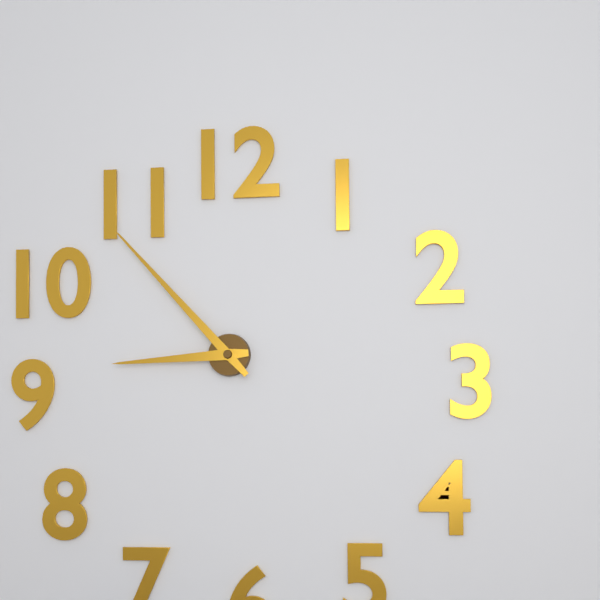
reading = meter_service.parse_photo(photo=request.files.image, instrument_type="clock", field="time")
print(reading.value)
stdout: 8:53
